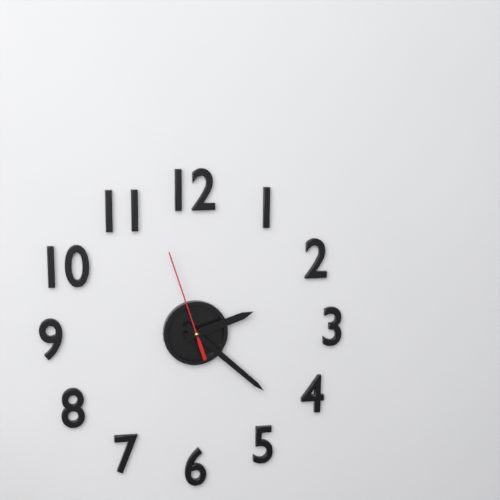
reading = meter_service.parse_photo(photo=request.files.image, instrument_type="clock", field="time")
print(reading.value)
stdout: 2:22:57
